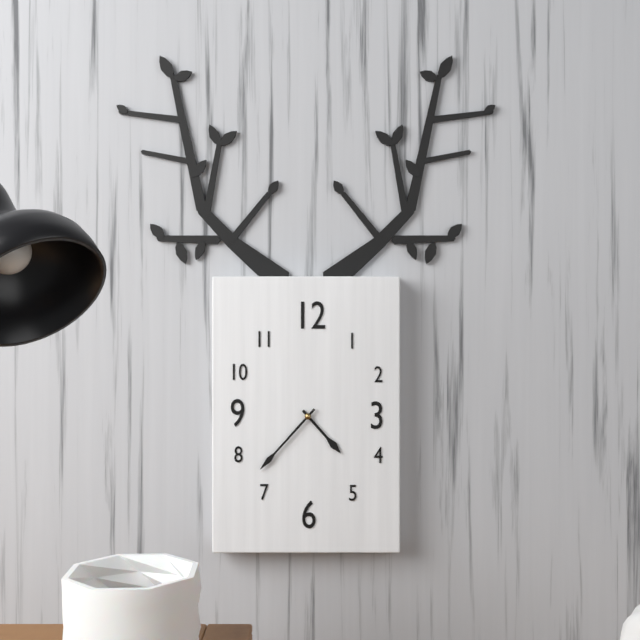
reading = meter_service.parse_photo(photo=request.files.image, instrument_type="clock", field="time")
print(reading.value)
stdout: 4:37
